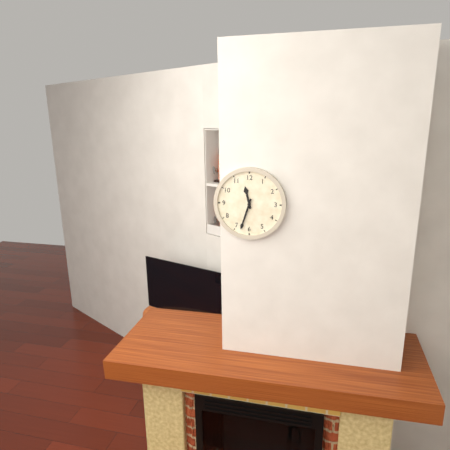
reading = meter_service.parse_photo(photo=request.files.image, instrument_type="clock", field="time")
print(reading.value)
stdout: 11:33
